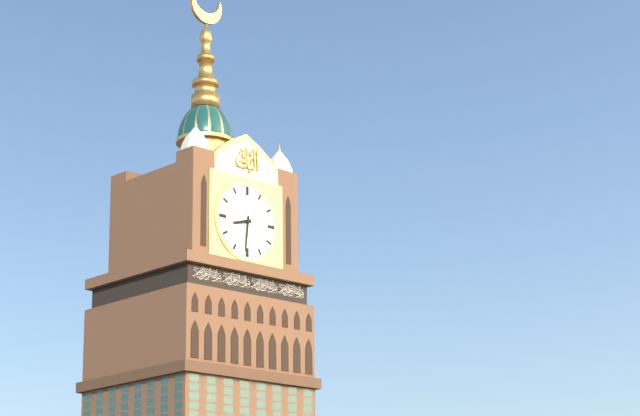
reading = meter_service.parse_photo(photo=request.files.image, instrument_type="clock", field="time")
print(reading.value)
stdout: 8:31
